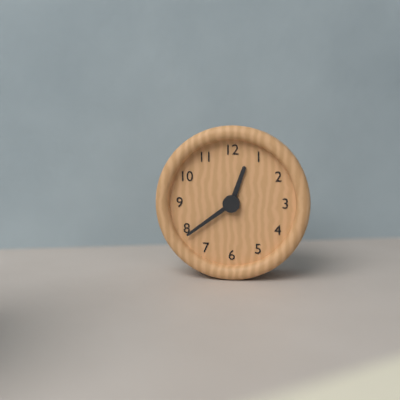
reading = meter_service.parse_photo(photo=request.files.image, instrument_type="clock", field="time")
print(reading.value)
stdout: 12:39
